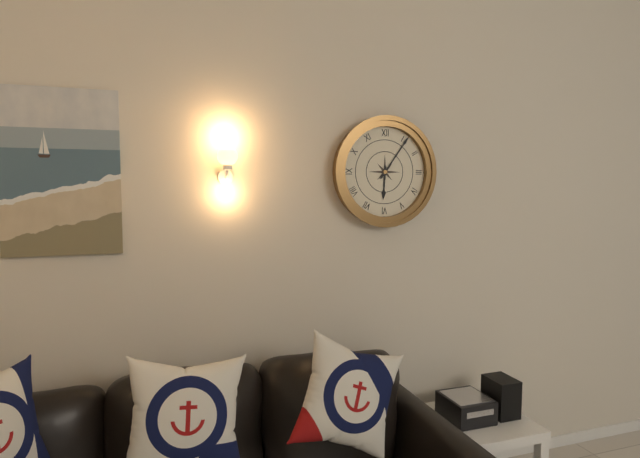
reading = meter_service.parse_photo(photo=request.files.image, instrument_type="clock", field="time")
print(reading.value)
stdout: 6:06
